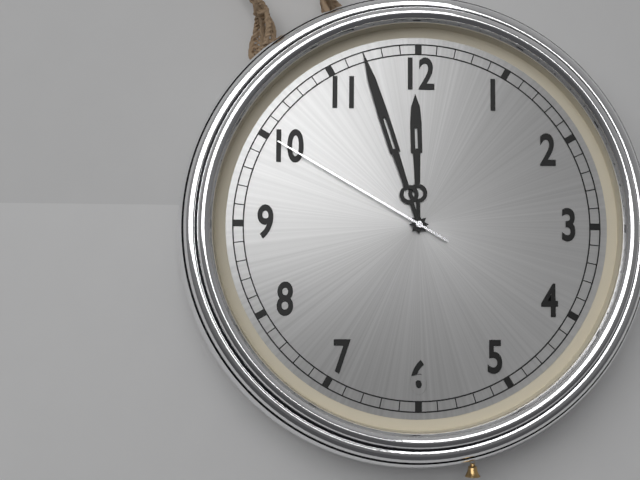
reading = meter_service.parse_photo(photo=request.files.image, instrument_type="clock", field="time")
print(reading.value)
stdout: 11:57:50
